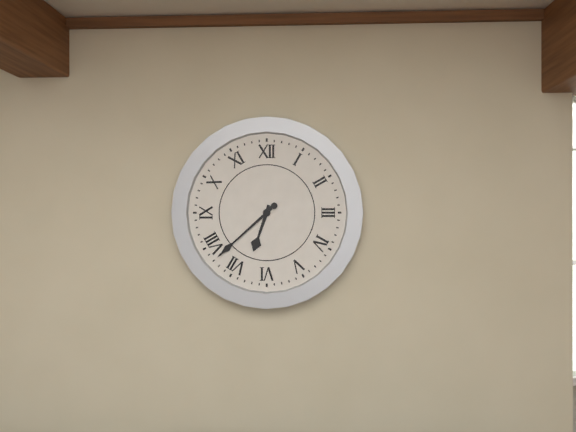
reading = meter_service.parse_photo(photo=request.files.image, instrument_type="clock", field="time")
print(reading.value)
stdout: 6:38
